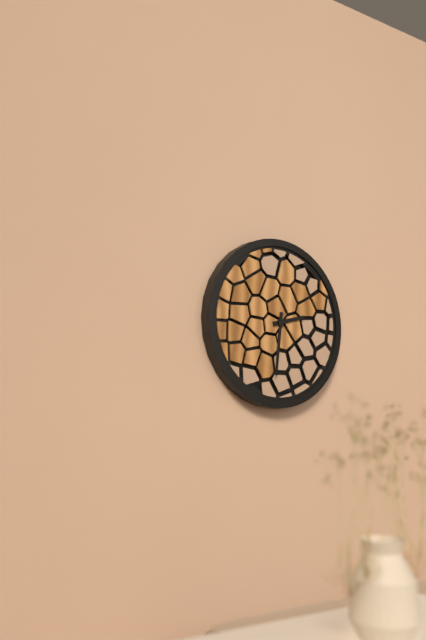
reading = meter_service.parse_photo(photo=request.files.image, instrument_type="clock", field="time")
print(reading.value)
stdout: 2:31
